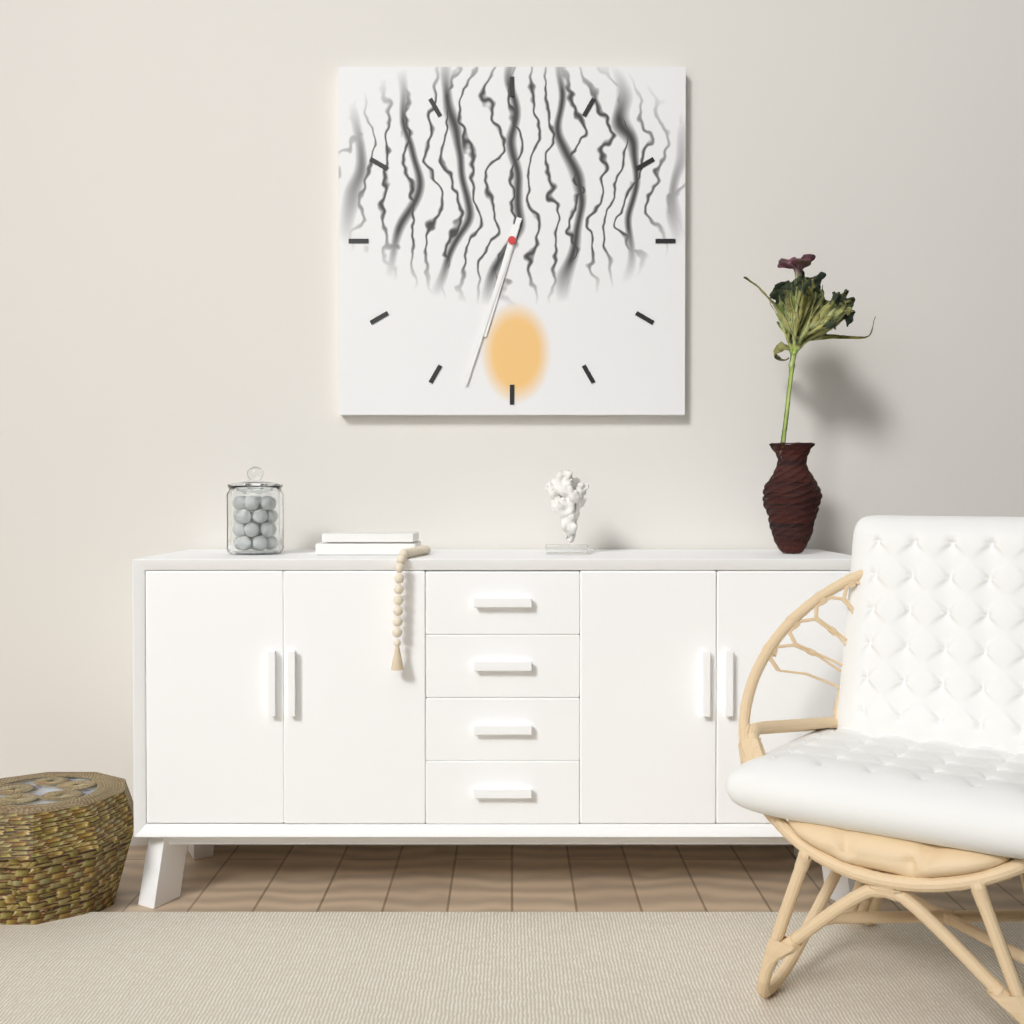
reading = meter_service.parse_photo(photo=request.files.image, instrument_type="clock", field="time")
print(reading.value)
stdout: 6:33
